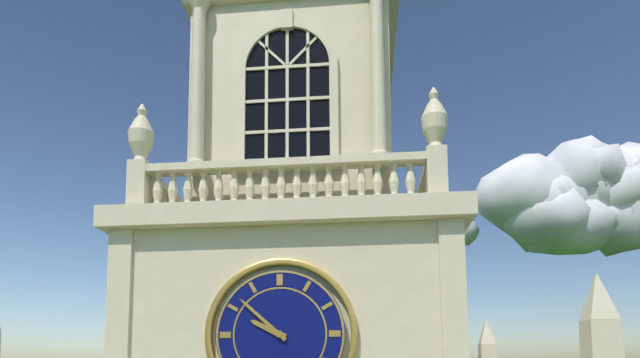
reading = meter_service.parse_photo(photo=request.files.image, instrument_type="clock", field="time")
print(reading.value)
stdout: 9:52
